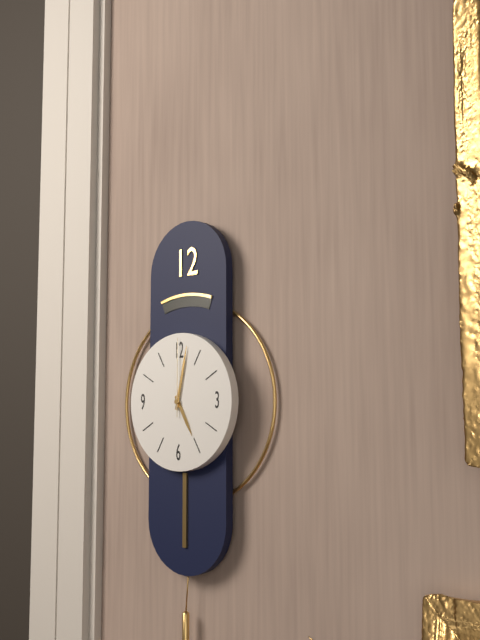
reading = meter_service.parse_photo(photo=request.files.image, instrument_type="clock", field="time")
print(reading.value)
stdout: 5:02:00
